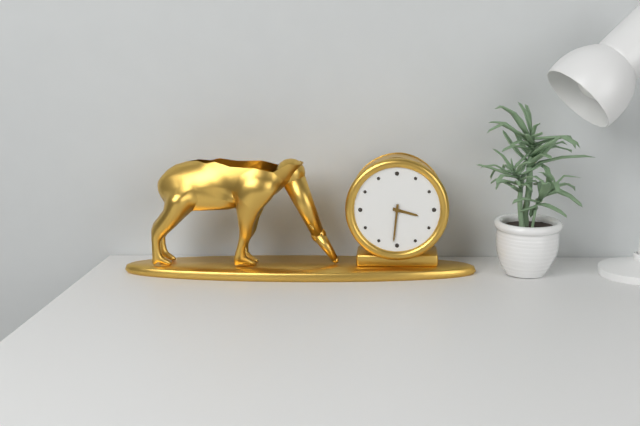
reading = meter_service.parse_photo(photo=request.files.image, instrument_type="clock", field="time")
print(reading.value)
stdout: 3:31
